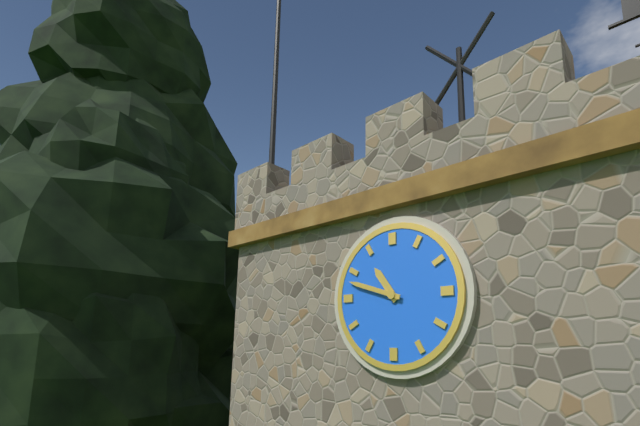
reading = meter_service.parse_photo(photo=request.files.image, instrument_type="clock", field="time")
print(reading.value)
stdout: 10:48
